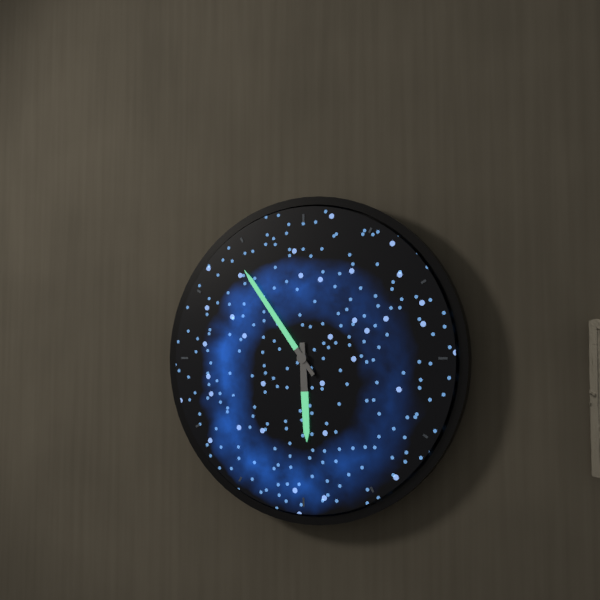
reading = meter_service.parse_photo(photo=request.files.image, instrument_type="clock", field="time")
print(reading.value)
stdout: 5:54
